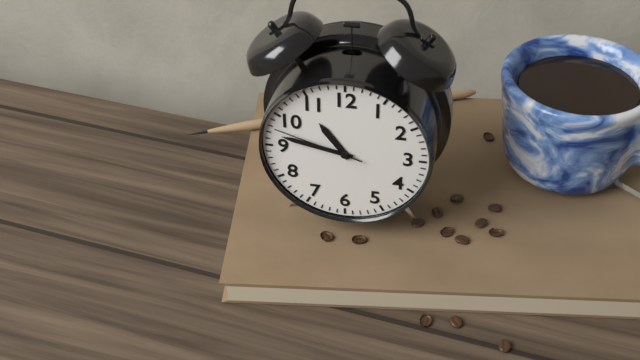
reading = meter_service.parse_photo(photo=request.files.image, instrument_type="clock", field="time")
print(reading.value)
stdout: 10:47:48
